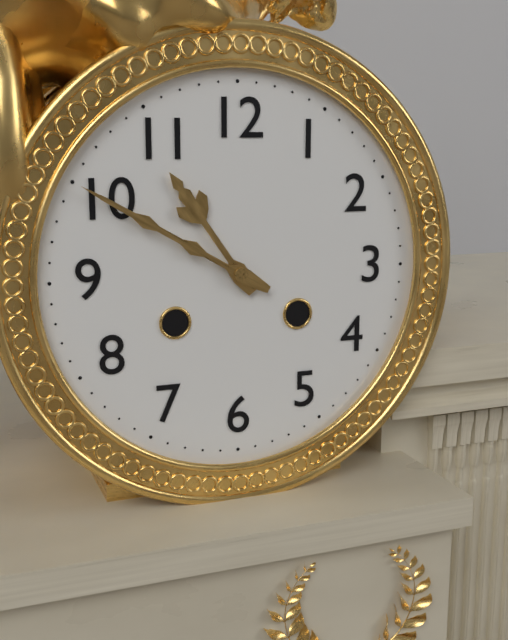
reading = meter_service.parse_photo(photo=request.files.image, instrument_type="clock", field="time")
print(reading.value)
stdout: 10:50
